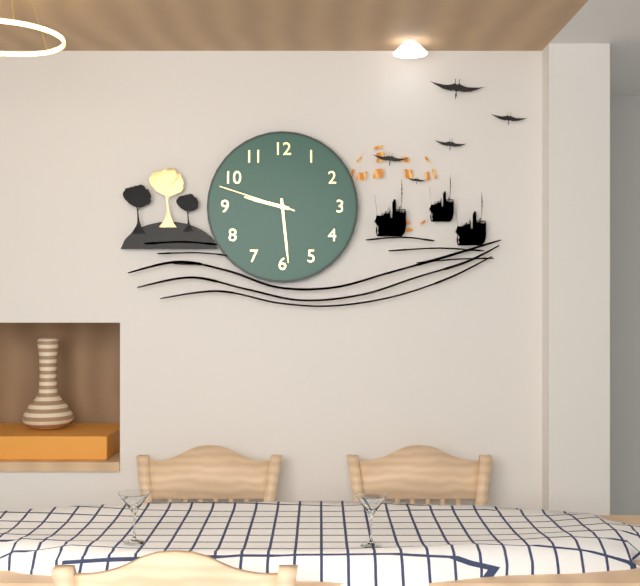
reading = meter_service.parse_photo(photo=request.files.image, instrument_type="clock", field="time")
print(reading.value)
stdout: 9:29:48
